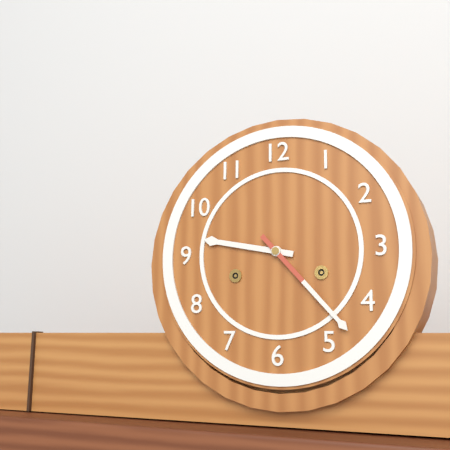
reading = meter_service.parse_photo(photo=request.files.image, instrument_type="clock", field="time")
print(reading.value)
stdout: 9:23
